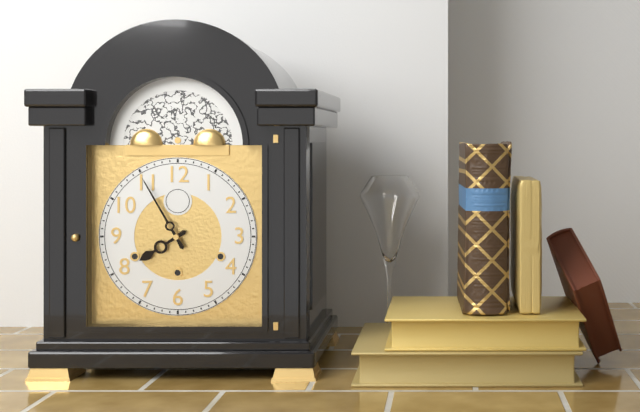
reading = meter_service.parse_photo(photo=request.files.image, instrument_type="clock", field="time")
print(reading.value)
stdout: 7:55
